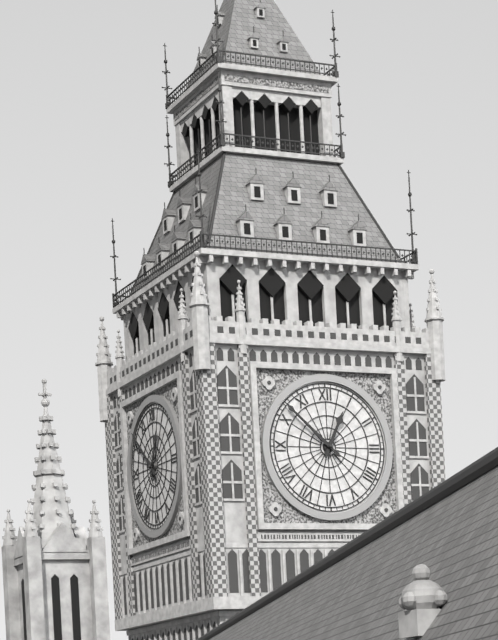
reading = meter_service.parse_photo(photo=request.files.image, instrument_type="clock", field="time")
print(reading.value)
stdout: 12:52
